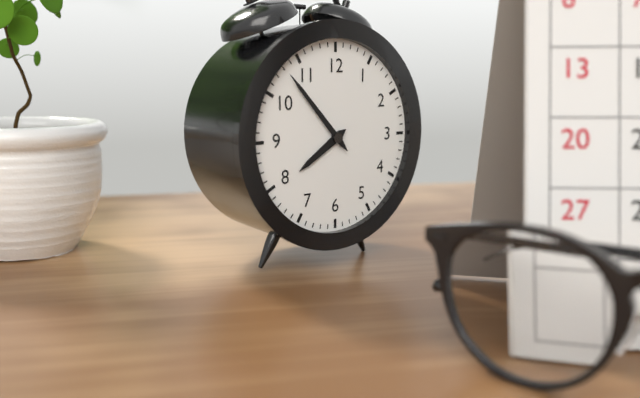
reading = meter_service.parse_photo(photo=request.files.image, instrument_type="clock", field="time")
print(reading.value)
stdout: 7:53
